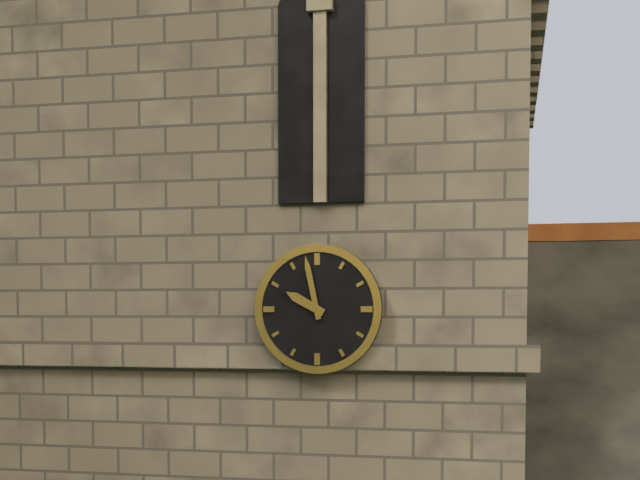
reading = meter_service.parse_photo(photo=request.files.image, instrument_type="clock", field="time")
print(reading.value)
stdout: 9:58
